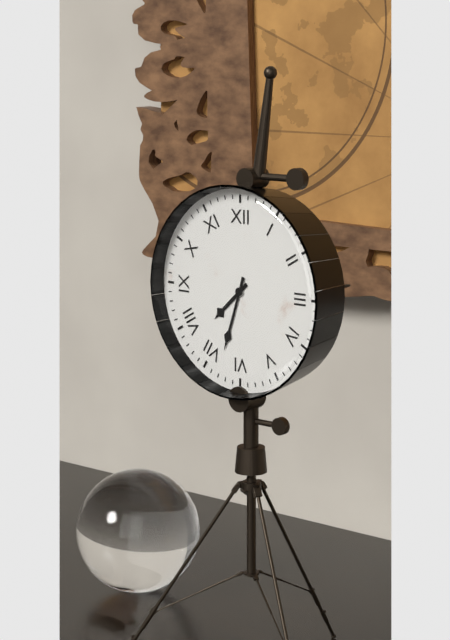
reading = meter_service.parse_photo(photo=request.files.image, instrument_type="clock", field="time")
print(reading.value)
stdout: 7:33
